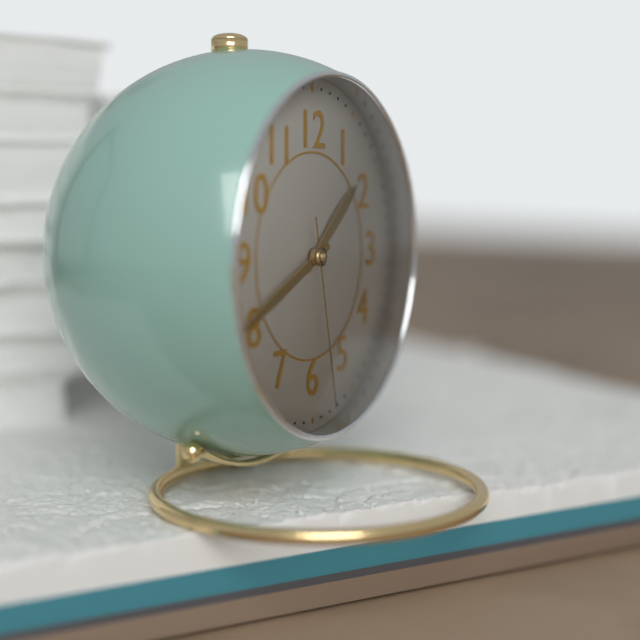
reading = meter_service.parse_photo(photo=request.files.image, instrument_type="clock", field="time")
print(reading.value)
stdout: 1:41:28
